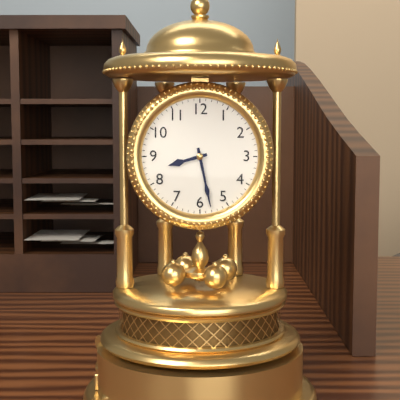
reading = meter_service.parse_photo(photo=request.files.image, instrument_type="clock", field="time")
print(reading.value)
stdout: 8:28
